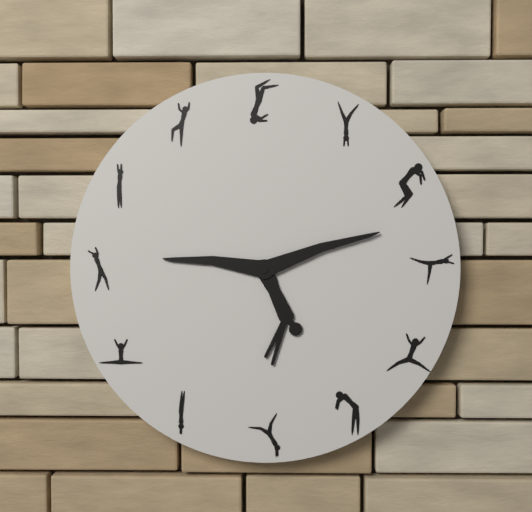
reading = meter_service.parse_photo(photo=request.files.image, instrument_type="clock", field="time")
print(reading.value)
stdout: 9:12
